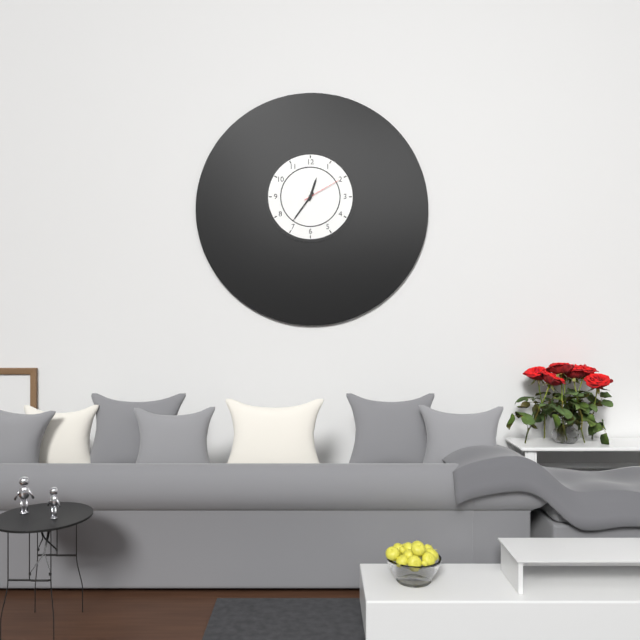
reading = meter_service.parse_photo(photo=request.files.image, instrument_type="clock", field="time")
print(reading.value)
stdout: 12:36
